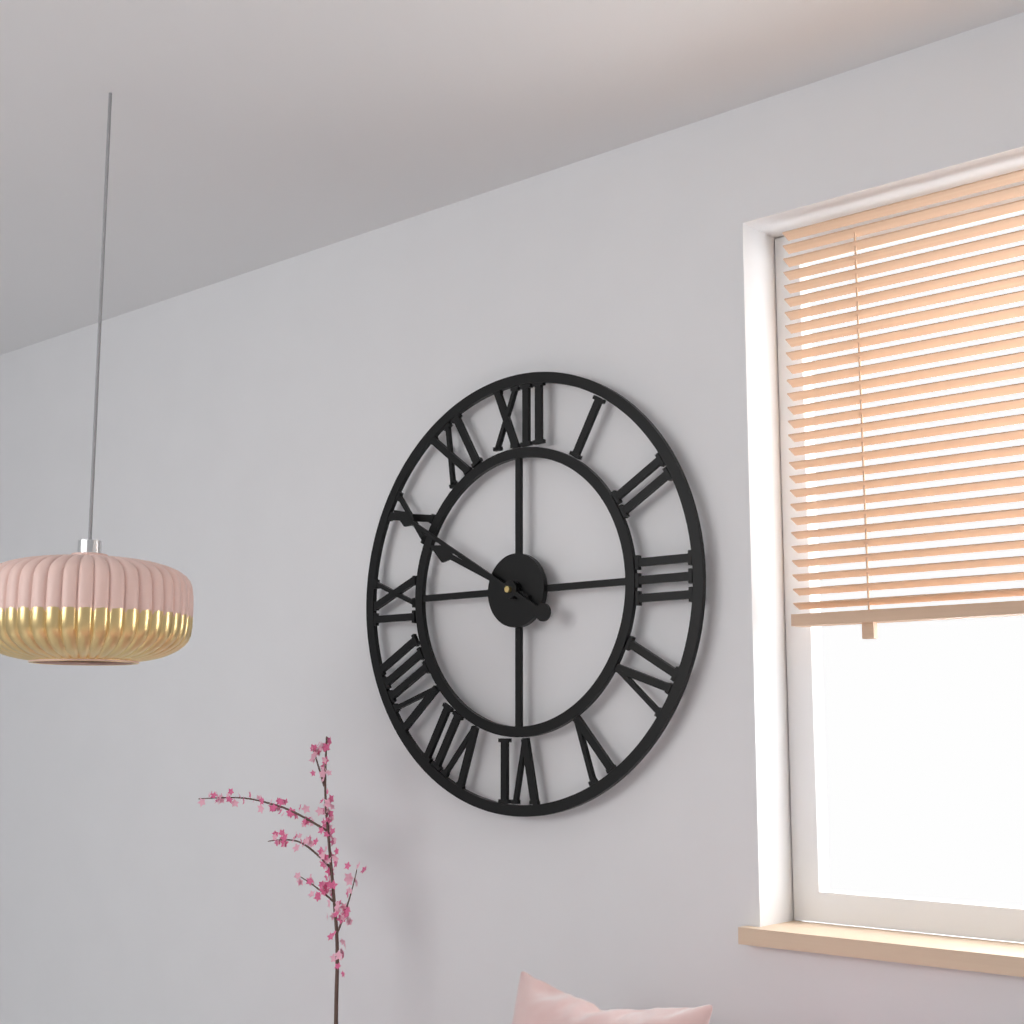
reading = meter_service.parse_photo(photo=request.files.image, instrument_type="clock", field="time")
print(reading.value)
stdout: 9:50
